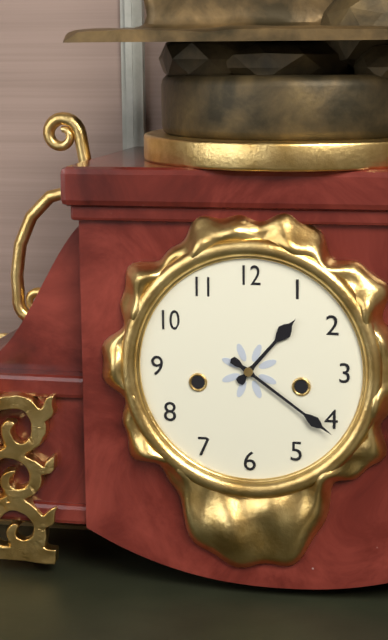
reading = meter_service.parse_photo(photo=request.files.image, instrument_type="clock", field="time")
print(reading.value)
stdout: 1:21
